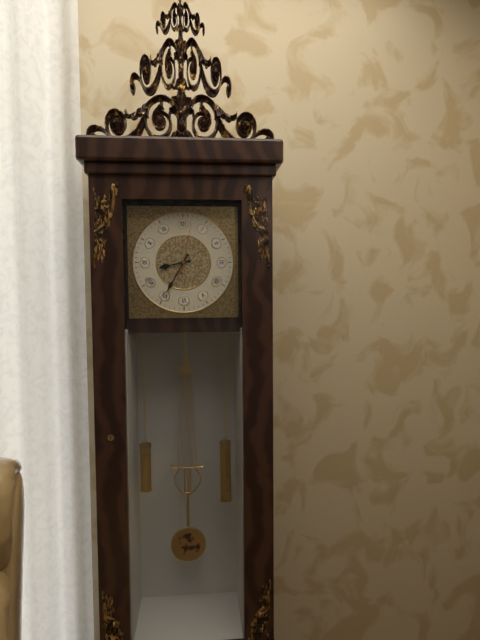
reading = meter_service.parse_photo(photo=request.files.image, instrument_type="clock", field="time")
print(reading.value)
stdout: 8:35
